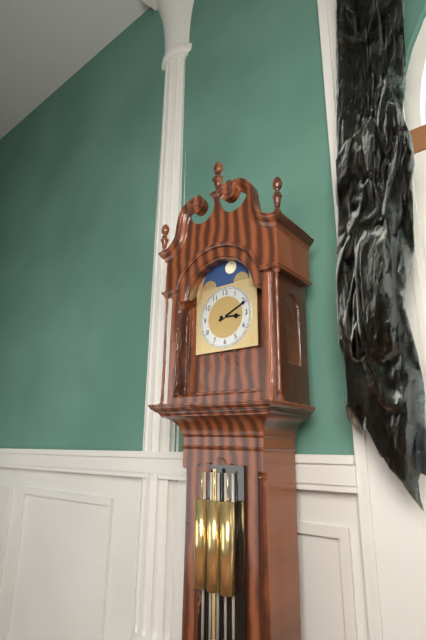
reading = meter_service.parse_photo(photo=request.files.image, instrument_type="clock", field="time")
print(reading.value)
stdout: 3:11
